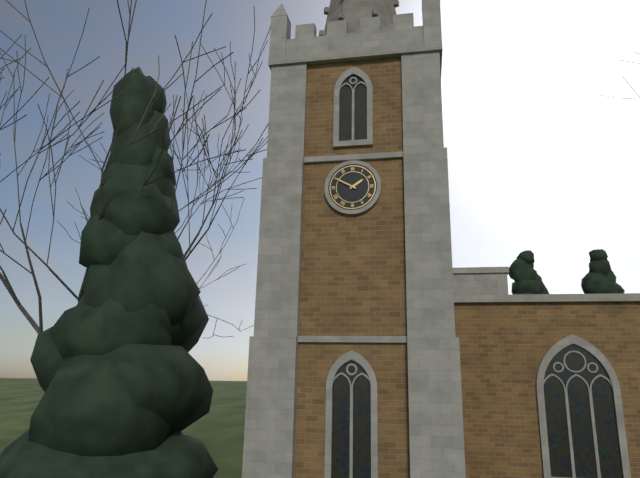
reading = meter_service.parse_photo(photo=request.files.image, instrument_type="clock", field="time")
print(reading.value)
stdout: 1:50
